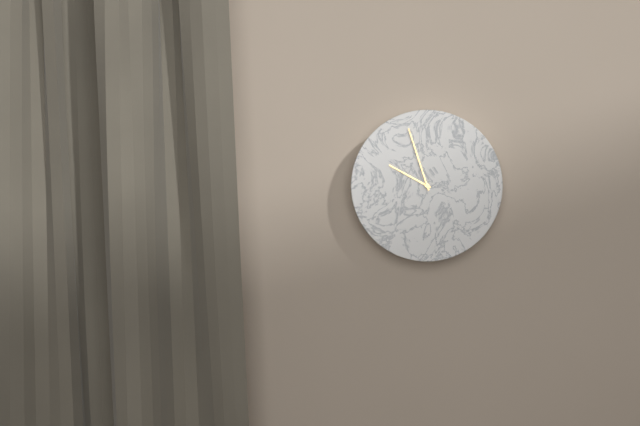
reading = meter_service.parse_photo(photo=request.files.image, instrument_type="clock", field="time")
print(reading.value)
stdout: 9:57
